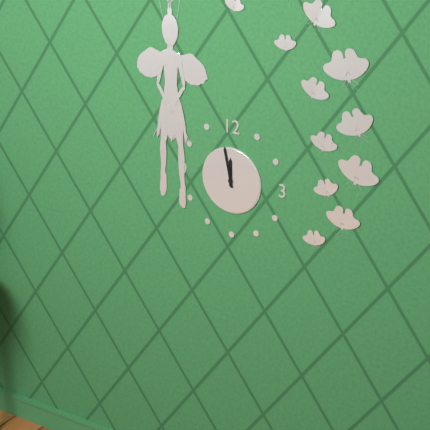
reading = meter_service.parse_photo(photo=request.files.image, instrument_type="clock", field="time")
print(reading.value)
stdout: 11:58
